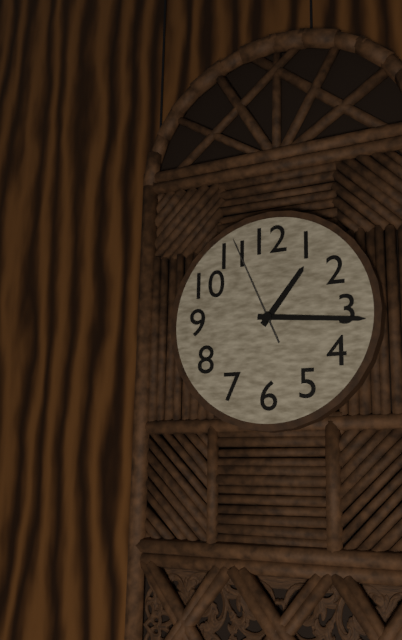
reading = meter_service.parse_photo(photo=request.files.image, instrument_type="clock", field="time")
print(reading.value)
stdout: 1:16:56
